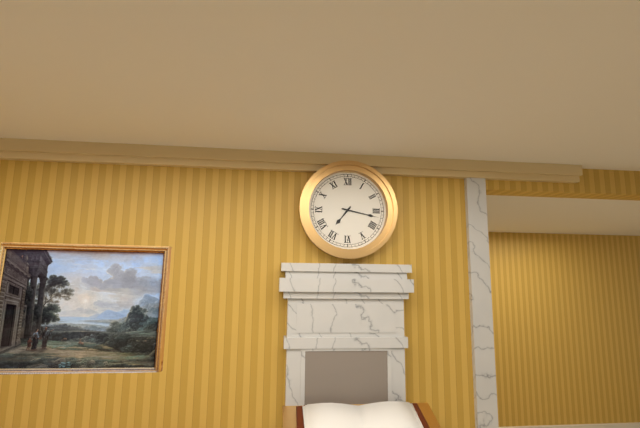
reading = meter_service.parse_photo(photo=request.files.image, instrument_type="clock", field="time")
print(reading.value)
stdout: 7:17
